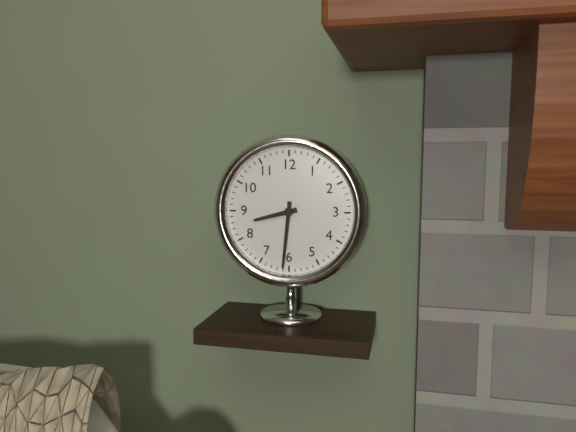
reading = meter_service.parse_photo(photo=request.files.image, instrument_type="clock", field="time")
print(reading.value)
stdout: 8:31
